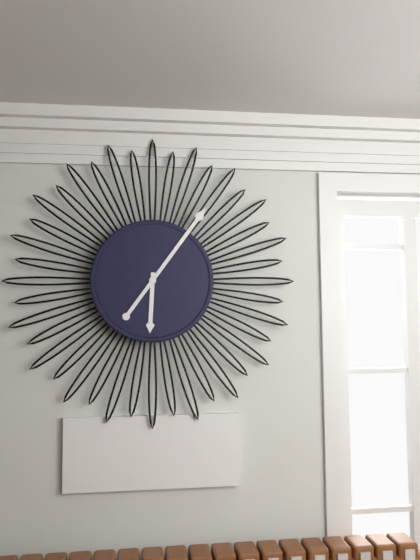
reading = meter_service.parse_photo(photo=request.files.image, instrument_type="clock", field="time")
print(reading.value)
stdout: 6:06
